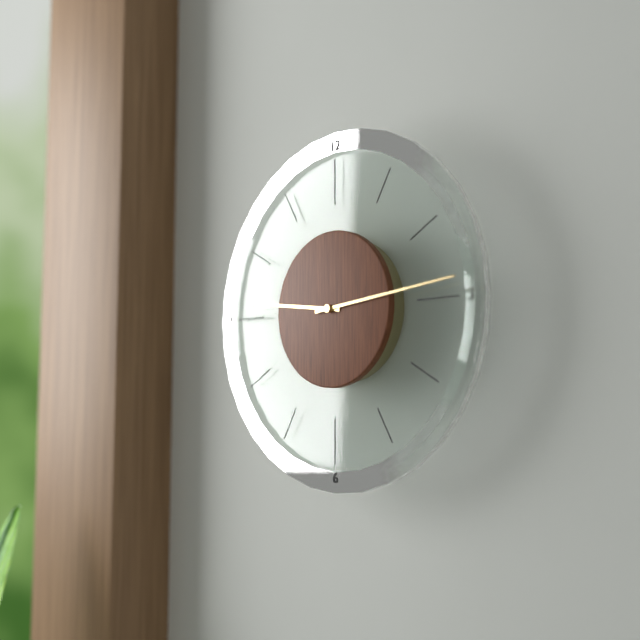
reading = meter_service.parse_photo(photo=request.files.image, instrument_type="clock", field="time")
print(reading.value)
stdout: 9:14
